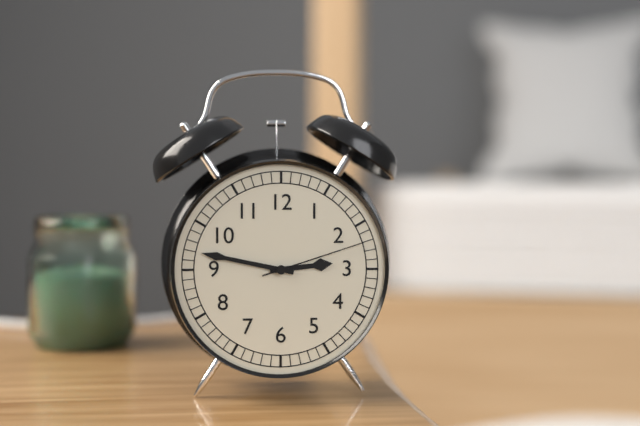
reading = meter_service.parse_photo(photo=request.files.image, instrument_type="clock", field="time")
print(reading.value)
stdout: 2:47:12
